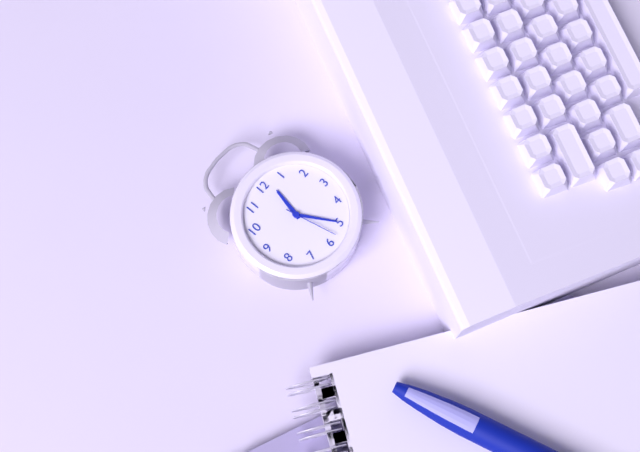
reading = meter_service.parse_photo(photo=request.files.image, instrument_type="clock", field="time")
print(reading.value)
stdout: 12:25:28
